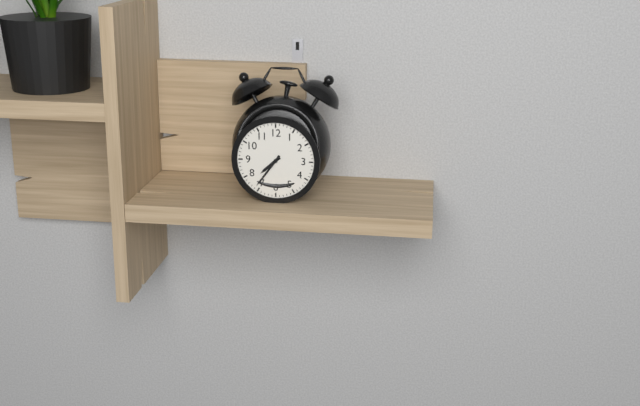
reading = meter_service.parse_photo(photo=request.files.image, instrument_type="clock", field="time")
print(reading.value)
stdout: 7:36
